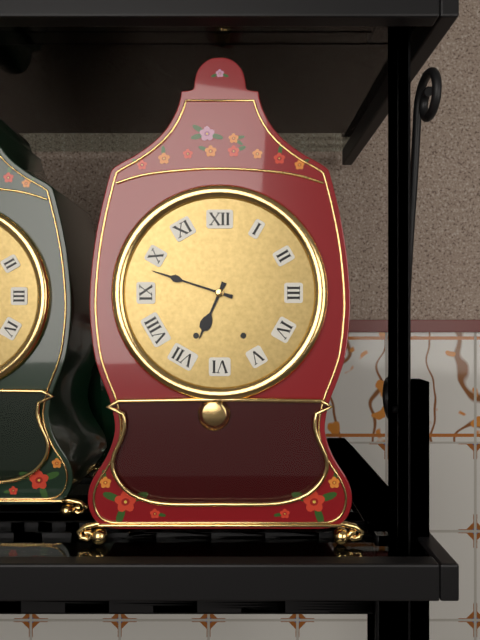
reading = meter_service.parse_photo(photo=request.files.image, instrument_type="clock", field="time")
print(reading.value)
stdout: 6:48
